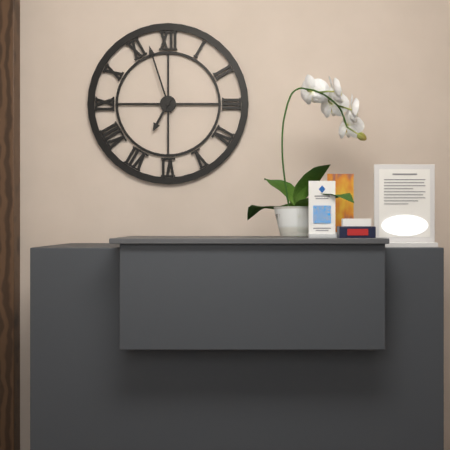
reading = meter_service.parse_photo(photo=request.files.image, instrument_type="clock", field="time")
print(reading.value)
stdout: 6:57
